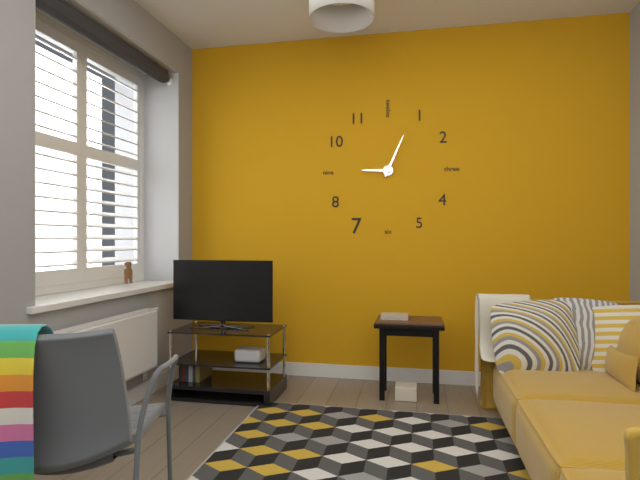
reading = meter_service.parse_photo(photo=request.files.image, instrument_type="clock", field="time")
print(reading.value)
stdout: 9:04
